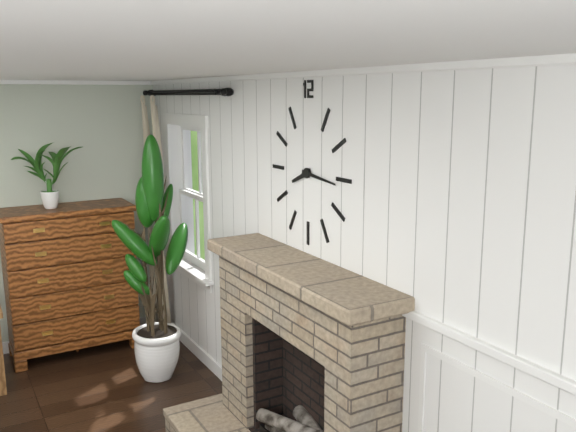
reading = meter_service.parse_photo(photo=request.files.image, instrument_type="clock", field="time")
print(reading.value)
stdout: 8:16
